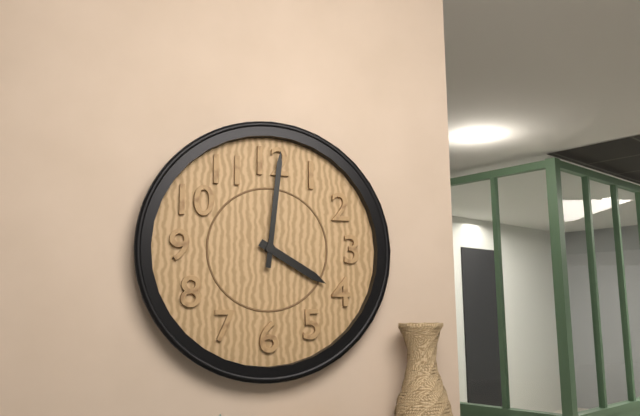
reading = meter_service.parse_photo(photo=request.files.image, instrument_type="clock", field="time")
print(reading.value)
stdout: 4:01
